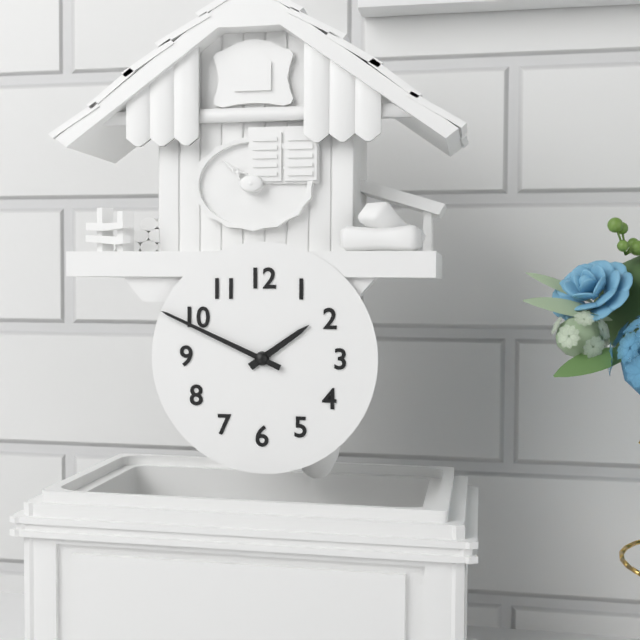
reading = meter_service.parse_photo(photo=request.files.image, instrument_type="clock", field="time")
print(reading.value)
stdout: 1:49
